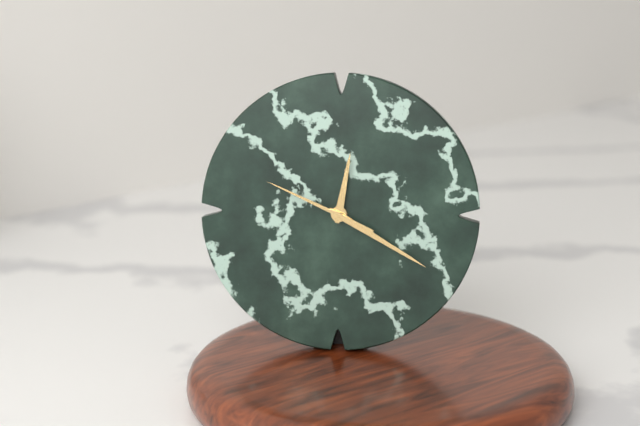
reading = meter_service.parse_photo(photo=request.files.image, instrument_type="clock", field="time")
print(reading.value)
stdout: 12:20:49
